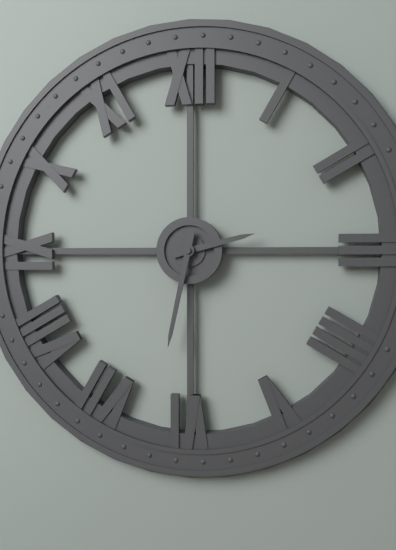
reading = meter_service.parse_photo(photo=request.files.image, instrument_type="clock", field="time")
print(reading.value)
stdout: 2:32
